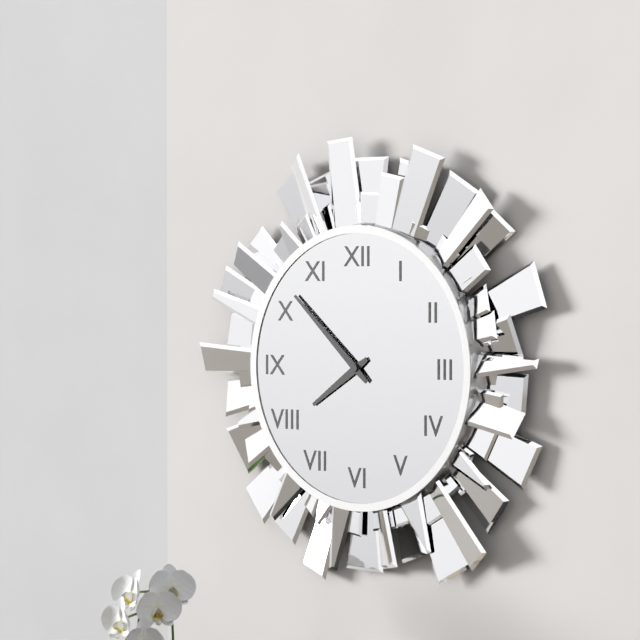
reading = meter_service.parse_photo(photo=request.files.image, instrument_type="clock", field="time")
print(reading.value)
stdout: 7:52
